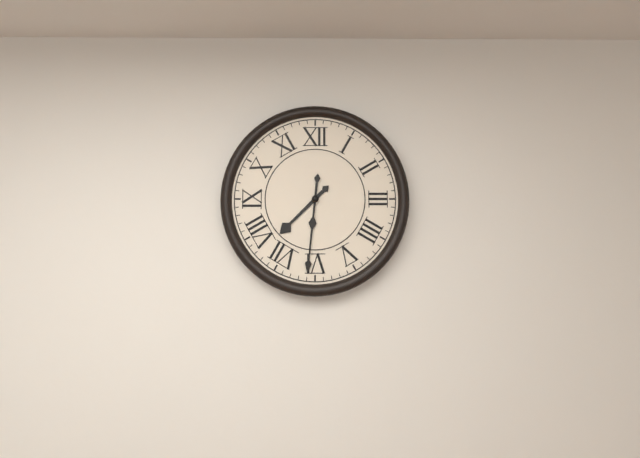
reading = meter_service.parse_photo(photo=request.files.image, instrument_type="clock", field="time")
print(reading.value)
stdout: 7:31
